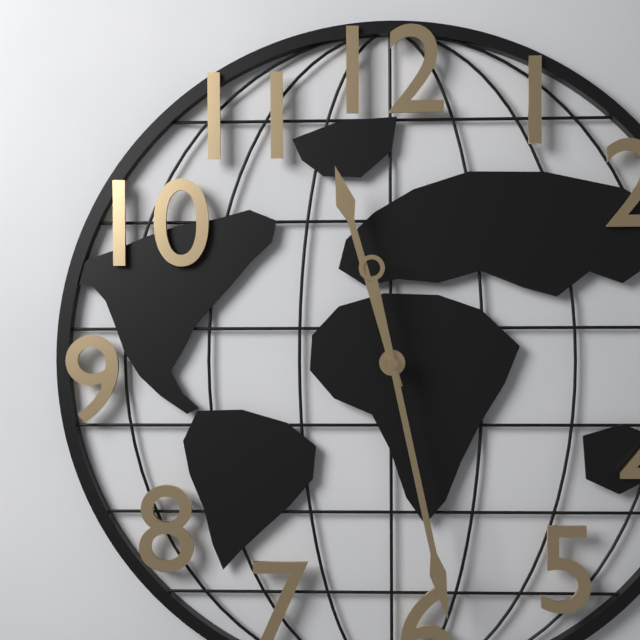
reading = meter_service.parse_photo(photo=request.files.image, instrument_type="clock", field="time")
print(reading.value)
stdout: 11:28
